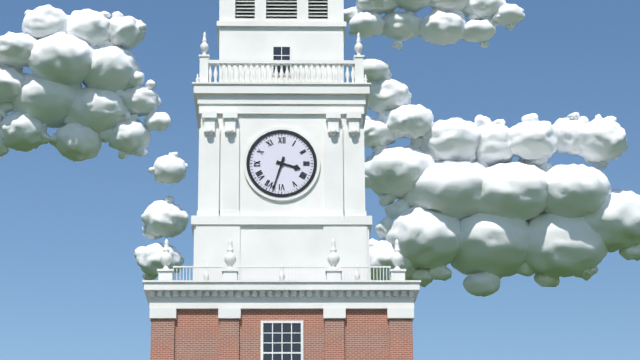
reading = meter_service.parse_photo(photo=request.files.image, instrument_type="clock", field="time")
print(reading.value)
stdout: 3:33
